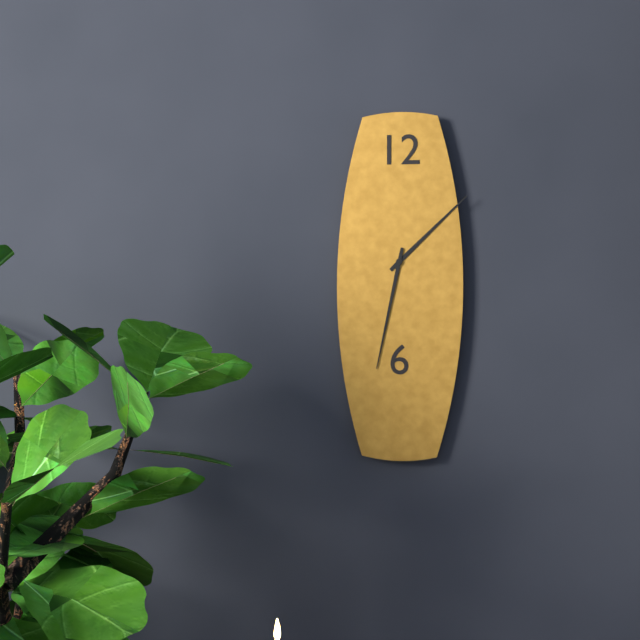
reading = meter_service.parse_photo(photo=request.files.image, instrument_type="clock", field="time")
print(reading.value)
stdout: 1:32
